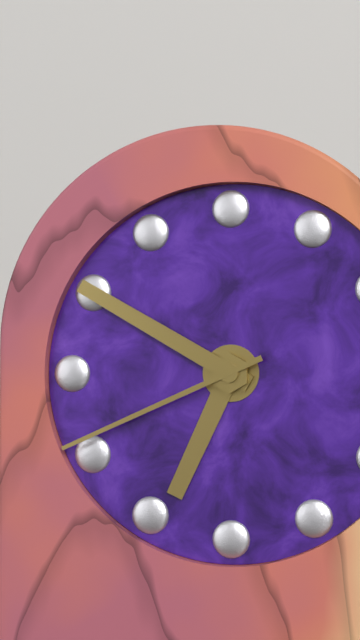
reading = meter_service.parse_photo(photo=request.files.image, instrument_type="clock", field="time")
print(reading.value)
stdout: 6:50:41
